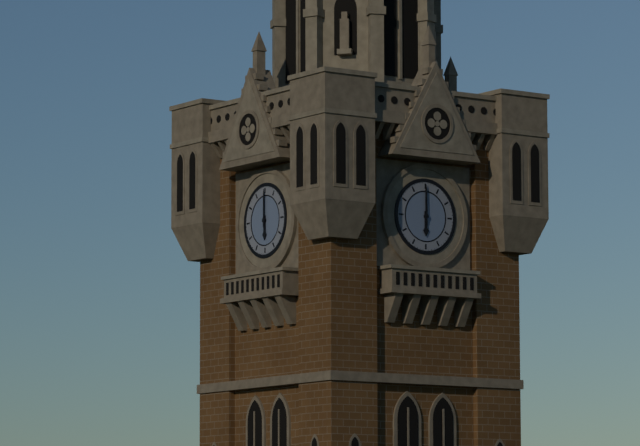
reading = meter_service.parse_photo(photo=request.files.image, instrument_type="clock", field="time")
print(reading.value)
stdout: 6:00
